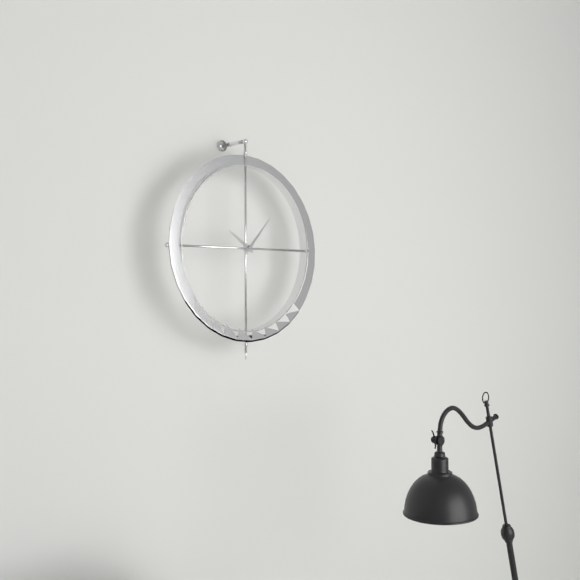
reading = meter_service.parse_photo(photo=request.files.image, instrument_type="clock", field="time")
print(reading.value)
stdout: 10:07
